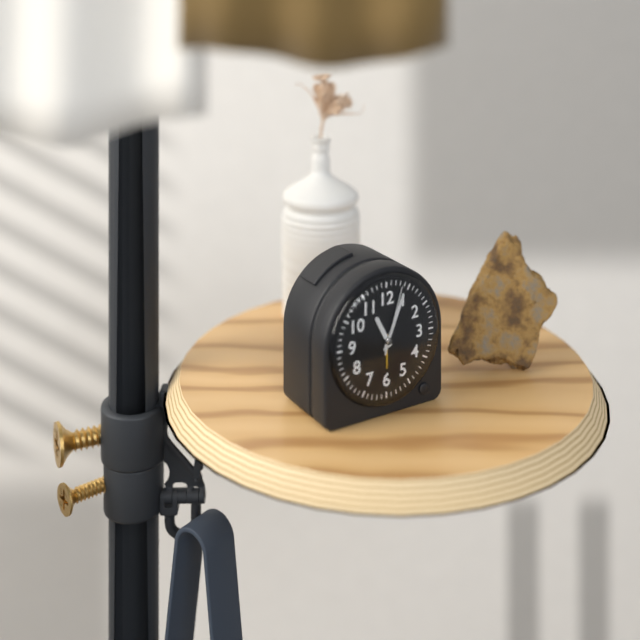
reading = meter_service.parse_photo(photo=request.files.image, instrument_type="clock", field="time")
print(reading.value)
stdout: 11:04:03
